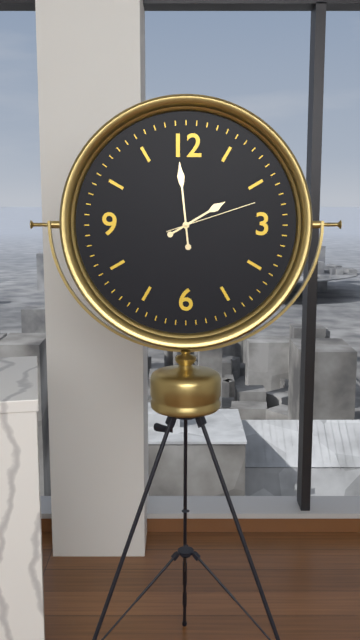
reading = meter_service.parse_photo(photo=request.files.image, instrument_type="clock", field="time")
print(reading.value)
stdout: 1:59:12
